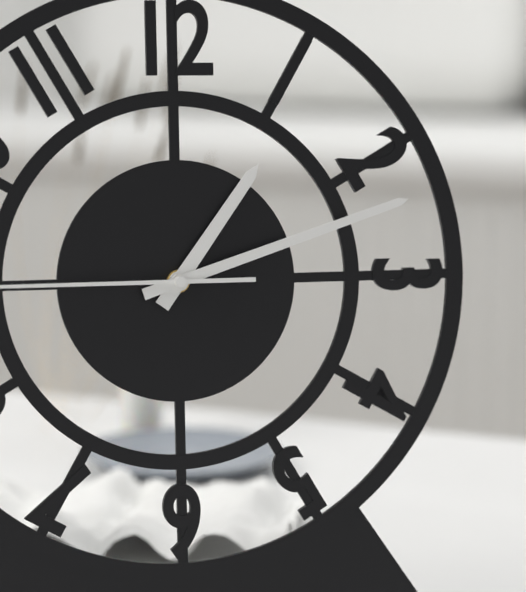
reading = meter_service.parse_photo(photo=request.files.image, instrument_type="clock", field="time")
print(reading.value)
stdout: 1:12
